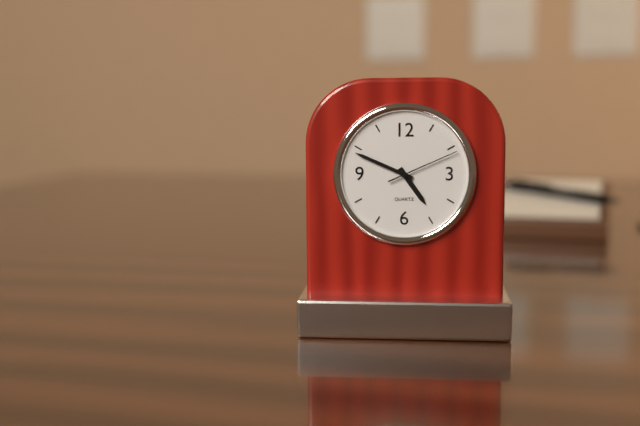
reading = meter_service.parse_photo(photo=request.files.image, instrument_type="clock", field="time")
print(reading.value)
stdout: 4:49:11
